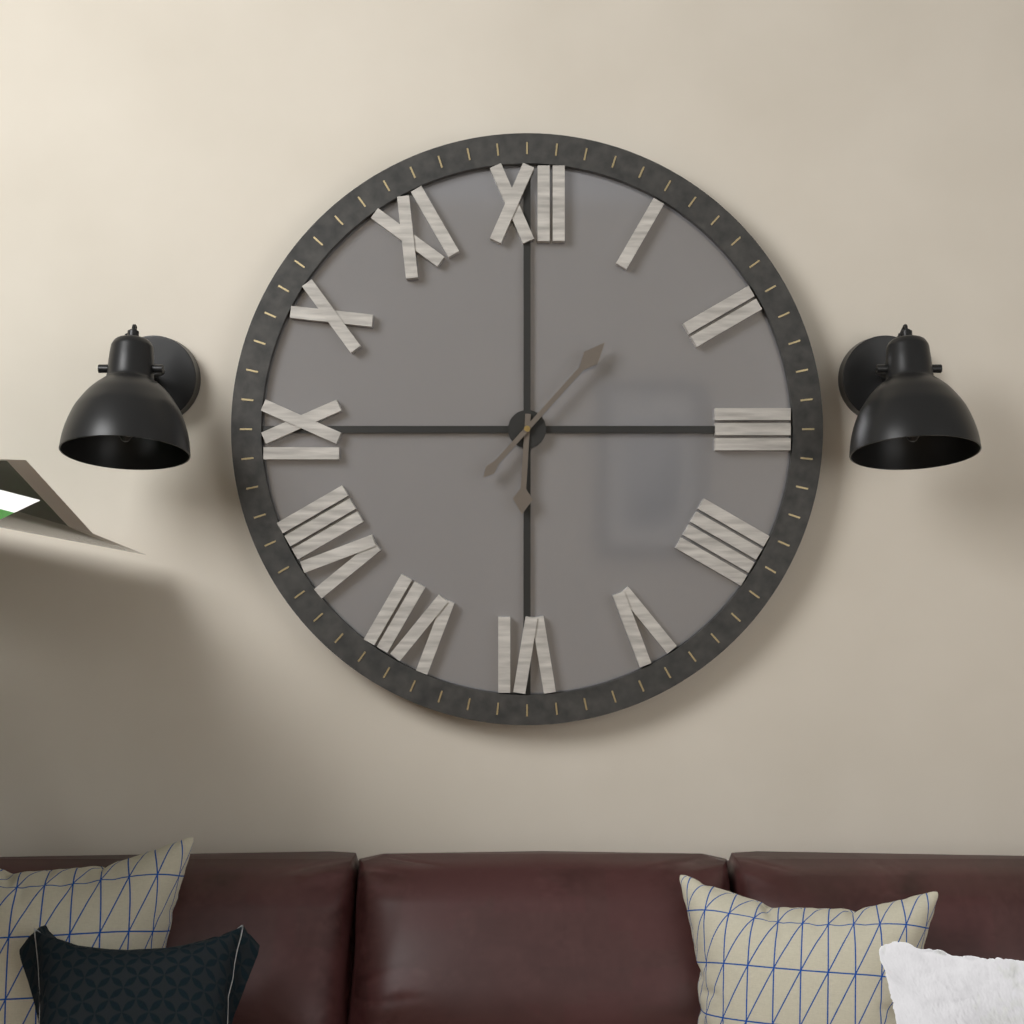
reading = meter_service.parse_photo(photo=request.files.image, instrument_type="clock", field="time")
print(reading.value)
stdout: 6:07
